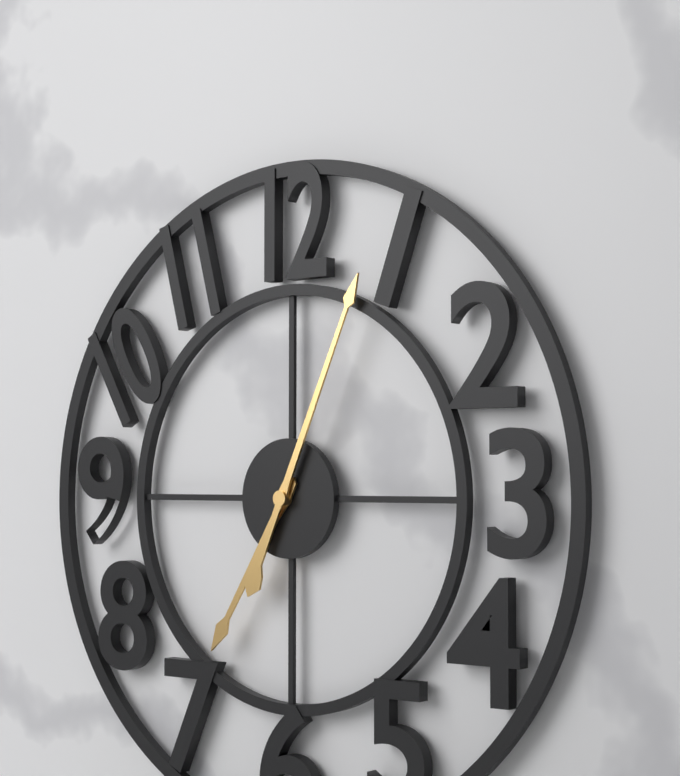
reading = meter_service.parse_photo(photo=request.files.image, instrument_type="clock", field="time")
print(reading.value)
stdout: 7:04
